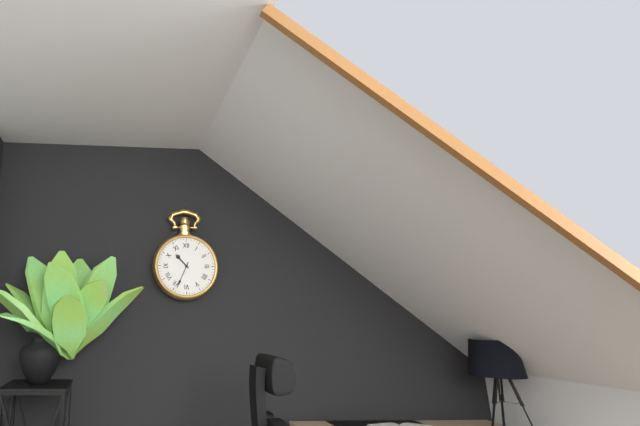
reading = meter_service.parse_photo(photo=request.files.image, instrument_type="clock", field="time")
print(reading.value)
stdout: 10:34
